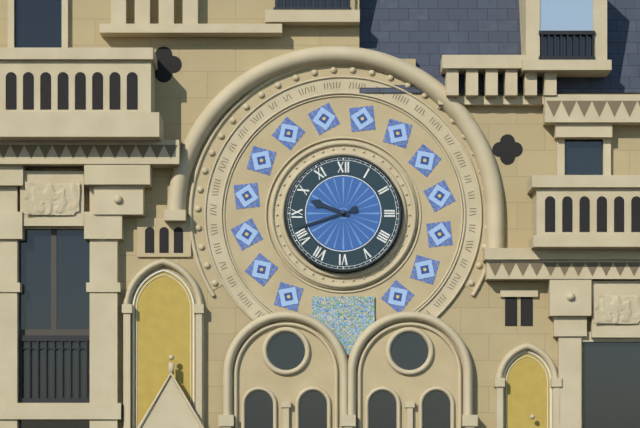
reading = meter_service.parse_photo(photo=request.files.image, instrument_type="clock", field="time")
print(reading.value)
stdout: 9:42
